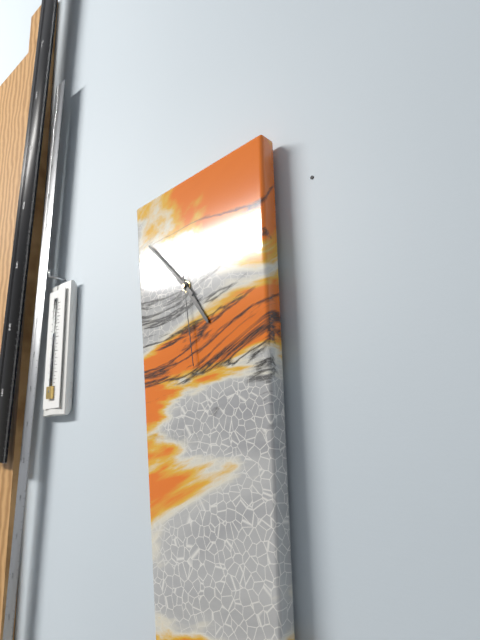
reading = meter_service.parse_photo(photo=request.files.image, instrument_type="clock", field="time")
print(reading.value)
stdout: 4:53:29
